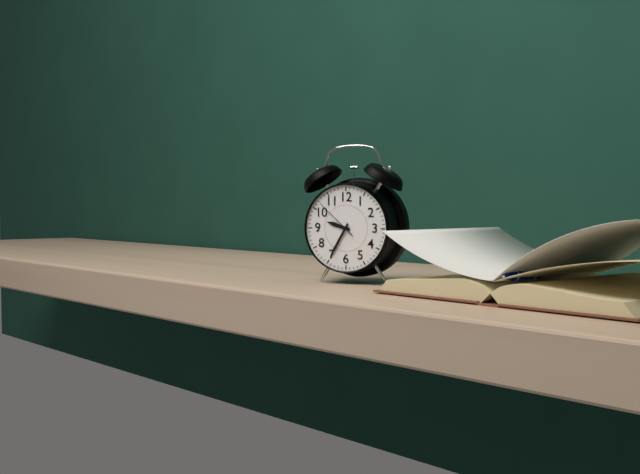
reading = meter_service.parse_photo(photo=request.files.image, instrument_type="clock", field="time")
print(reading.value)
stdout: 9:35:52
